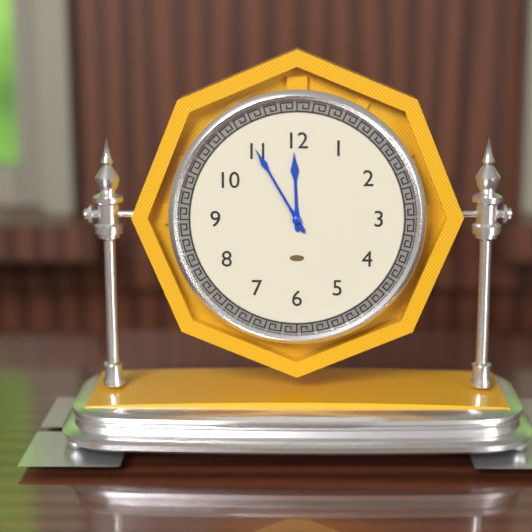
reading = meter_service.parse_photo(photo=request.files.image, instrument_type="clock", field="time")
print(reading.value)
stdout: 11:55
